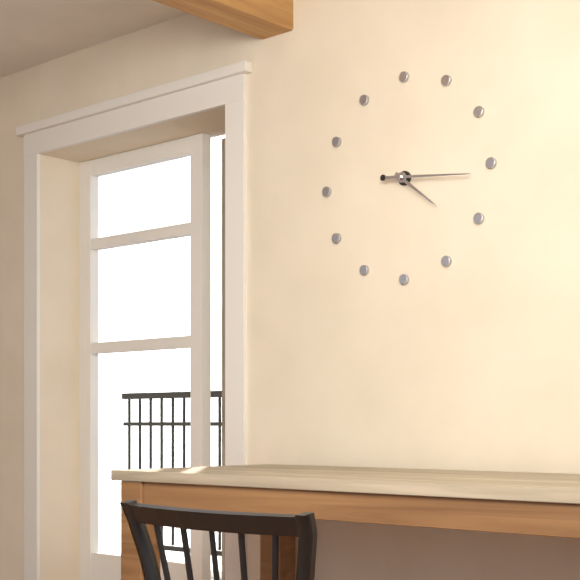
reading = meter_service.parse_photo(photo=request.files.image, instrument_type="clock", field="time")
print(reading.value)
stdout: 4:16
